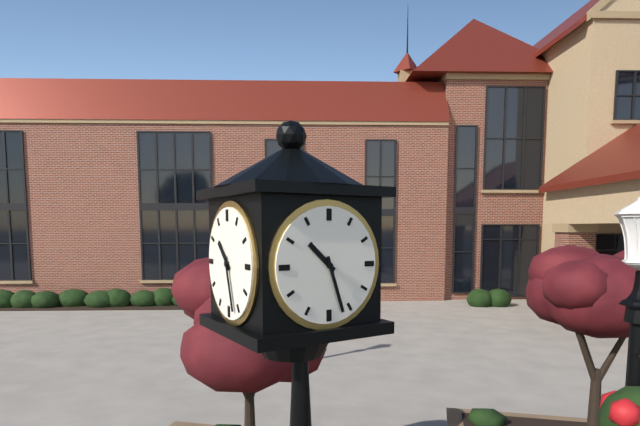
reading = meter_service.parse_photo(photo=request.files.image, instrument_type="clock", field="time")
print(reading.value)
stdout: 10:27
